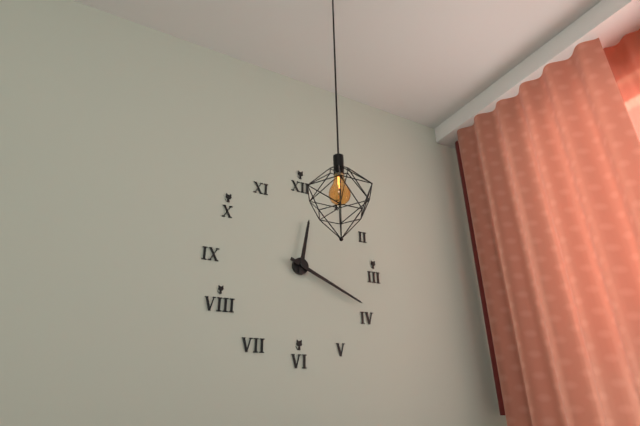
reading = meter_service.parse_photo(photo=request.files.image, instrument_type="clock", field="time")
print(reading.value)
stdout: 12:19
